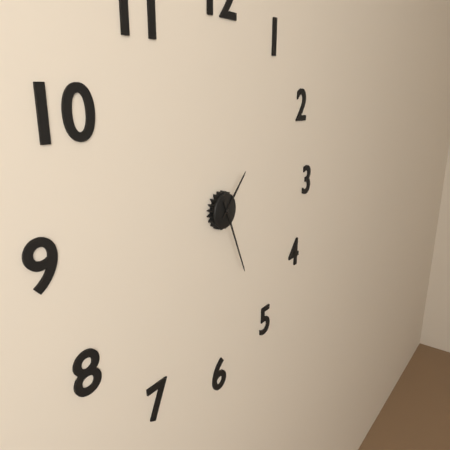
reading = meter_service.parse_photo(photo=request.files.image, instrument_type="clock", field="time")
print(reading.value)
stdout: 1:26
